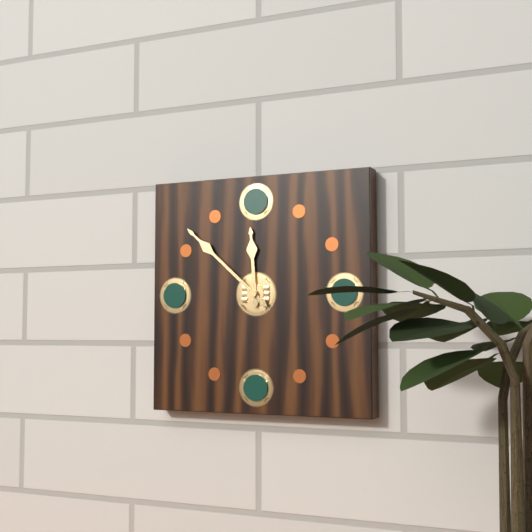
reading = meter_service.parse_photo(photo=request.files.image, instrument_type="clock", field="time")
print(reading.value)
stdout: 11:52
